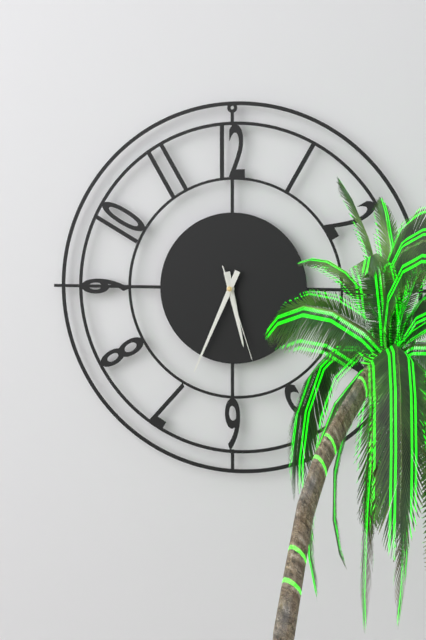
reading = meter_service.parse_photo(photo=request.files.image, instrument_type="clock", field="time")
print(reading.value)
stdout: 5:34:27
